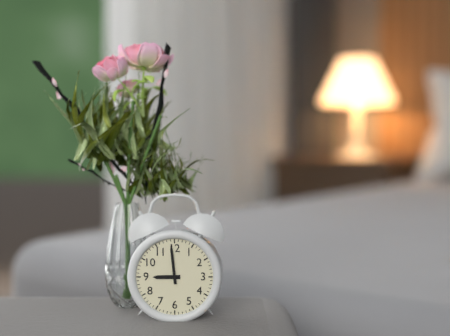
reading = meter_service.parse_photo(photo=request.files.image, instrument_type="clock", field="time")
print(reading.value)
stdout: 8:59
